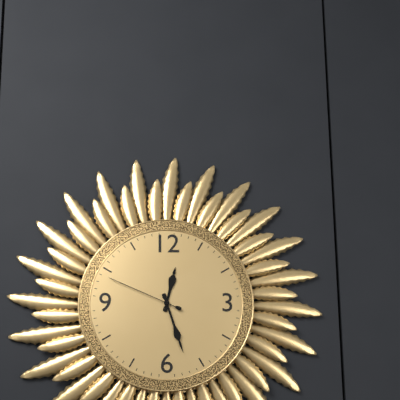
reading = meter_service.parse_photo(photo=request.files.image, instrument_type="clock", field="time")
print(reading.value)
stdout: 12:27:49
